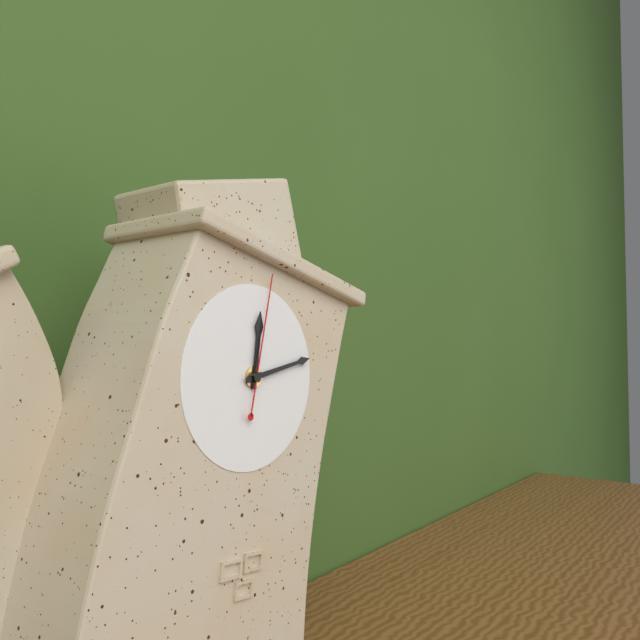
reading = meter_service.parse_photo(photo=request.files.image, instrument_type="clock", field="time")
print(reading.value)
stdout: 12:13:02
